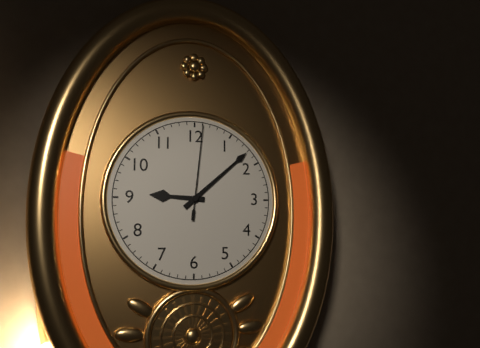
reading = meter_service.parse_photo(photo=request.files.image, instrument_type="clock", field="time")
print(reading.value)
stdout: 9:08:01
